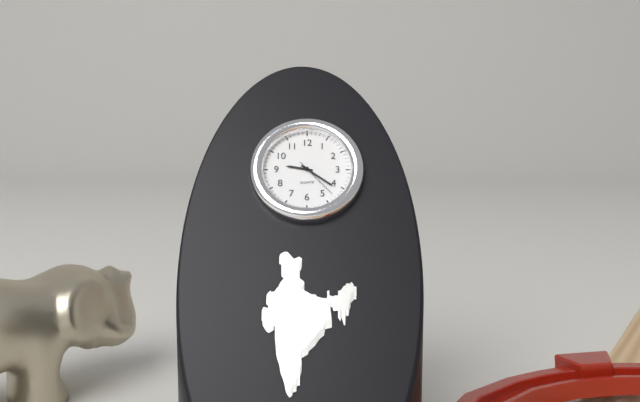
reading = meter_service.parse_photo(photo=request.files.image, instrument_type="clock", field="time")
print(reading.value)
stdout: 9:21
